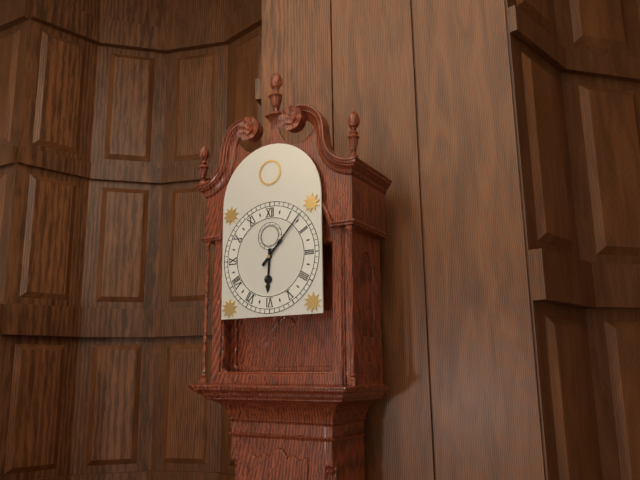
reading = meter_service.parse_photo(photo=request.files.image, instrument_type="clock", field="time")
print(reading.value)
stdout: 6:07
